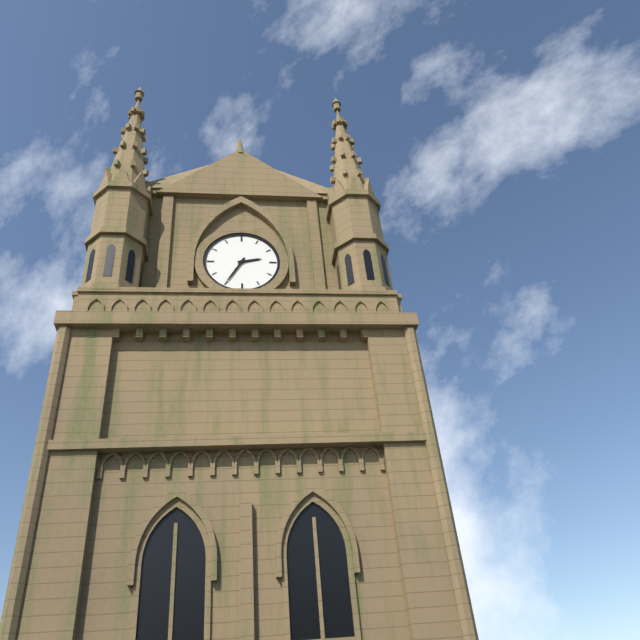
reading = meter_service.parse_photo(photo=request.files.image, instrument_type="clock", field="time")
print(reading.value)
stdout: 2:35
